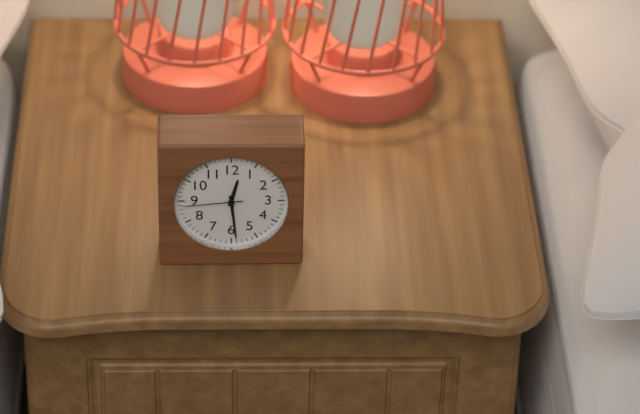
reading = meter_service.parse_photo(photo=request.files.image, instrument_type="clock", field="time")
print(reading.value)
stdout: 12:29:44
